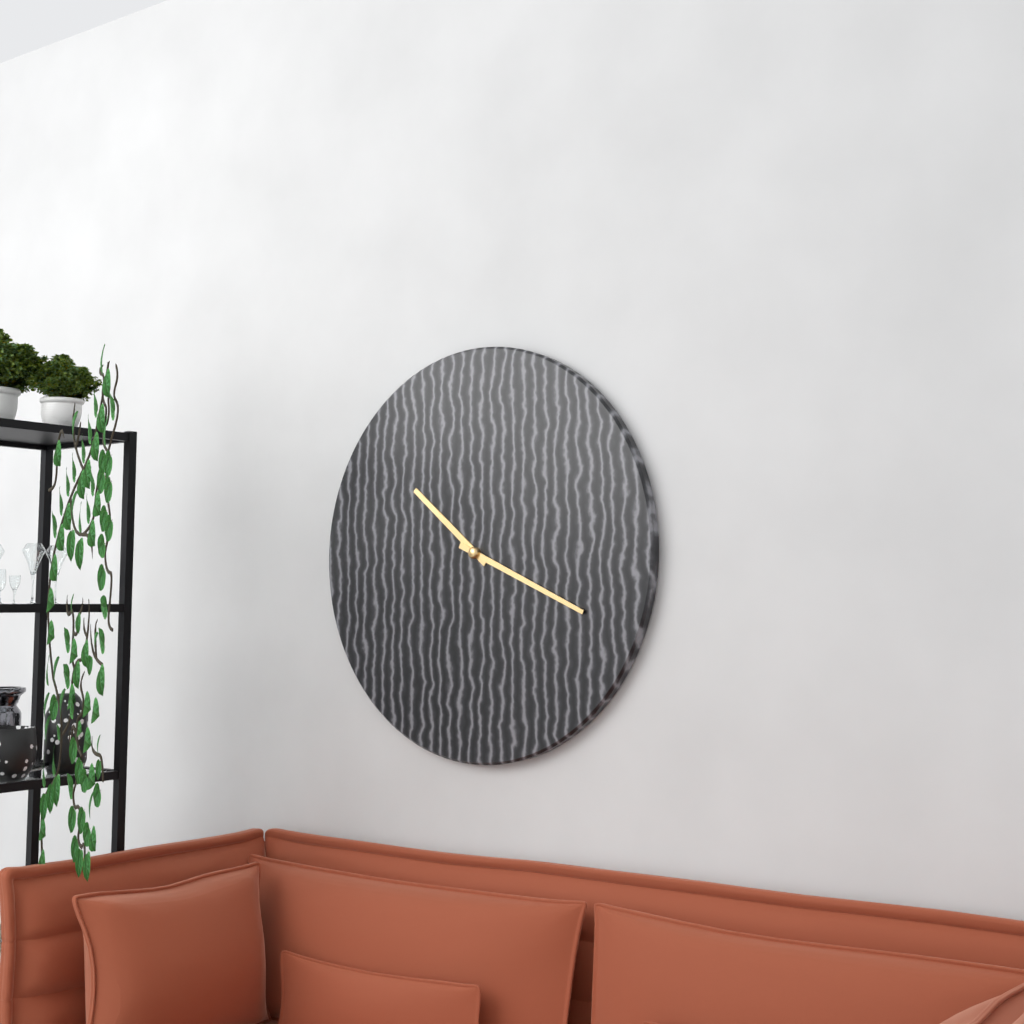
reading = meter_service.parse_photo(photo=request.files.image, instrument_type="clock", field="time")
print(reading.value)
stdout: 10:19
